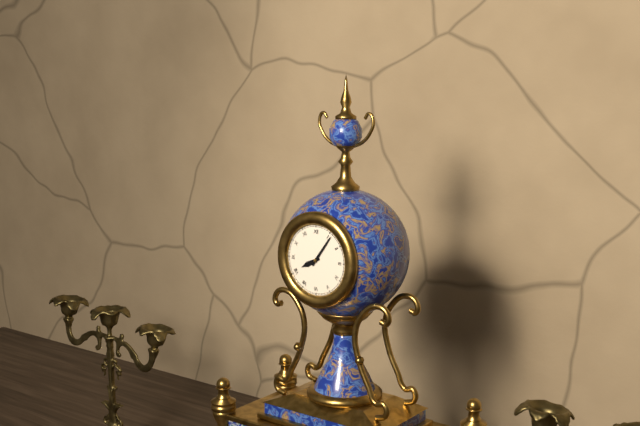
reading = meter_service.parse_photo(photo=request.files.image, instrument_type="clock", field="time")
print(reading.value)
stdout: 8:06
